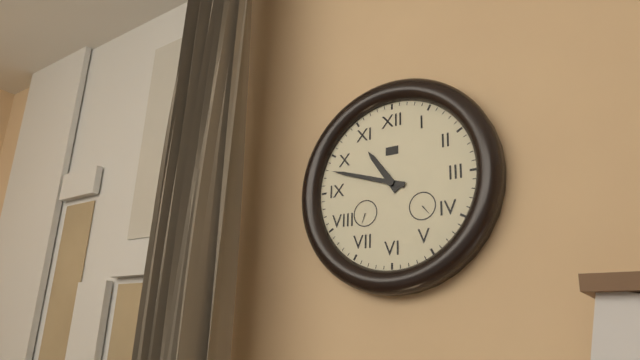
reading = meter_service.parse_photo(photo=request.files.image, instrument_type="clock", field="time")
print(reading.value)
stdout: 10:48
